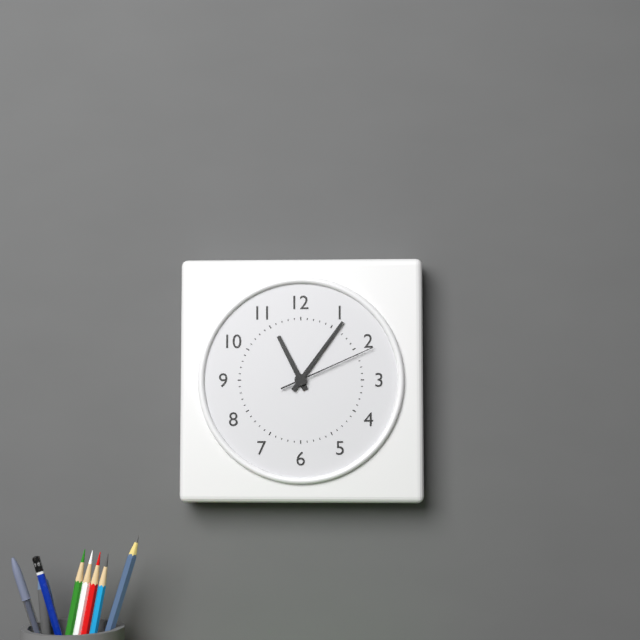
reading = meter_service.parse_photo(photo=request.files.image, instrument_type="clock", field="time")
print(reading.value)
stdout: 11:06:11
